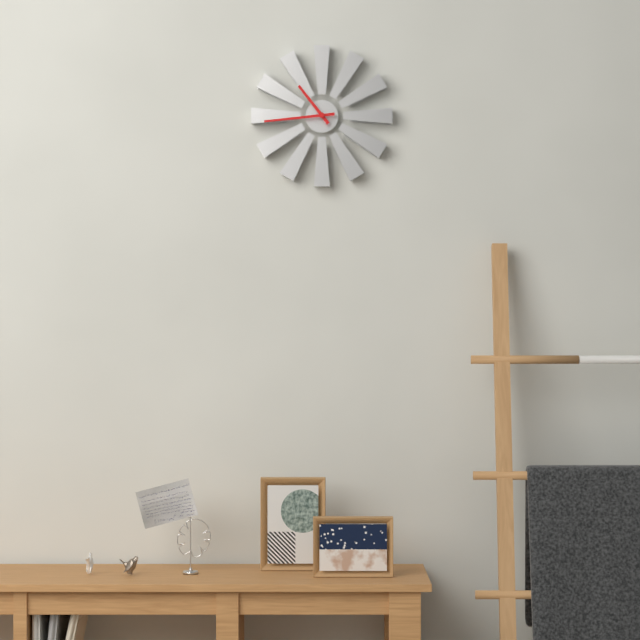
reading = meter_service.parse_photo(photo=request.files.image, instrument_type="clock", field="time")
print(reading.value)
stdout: 10:44
